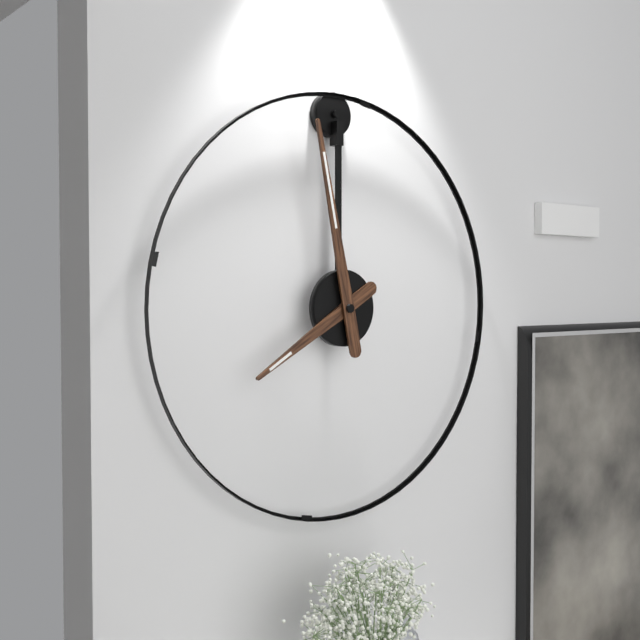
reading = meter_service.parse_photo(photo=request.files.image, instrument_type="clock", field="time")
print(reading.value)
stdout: 7:58
